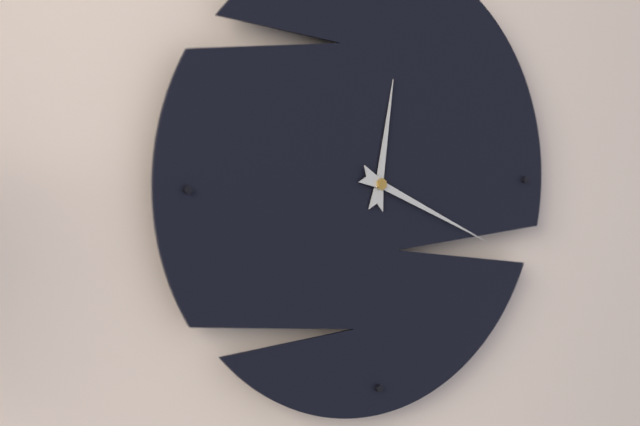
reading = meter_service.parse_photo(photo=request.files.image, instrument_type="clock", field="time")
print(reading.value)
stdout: 12:19
